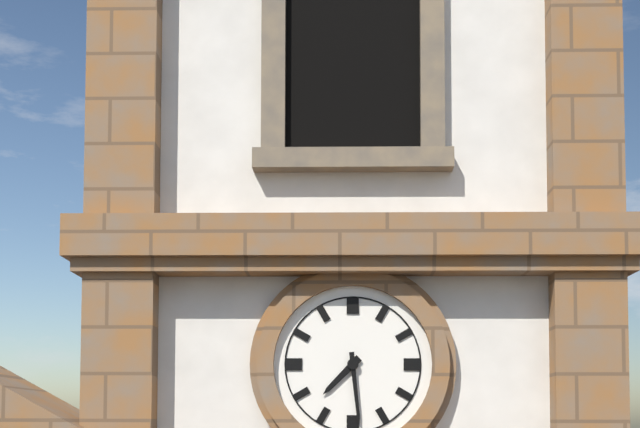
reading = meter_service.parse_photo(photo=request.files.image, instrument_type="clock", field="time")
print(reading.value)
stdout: 7:29
